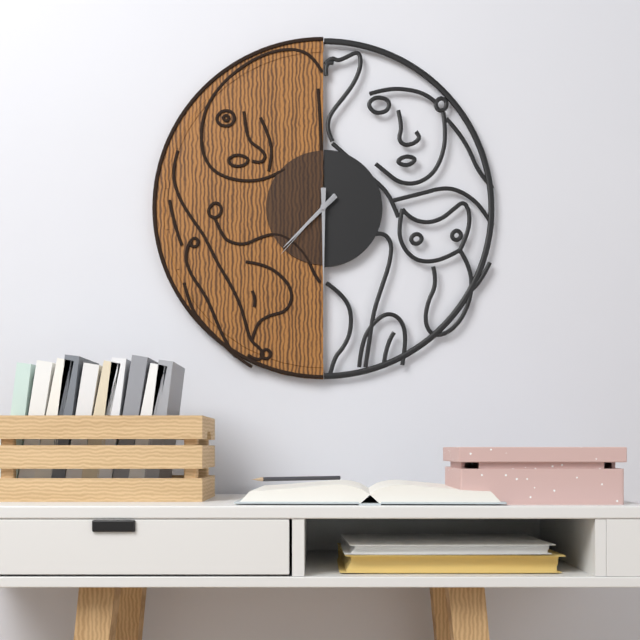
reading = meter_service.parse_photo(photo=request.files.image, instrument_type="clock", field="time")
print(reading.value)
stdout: 7:30:37
